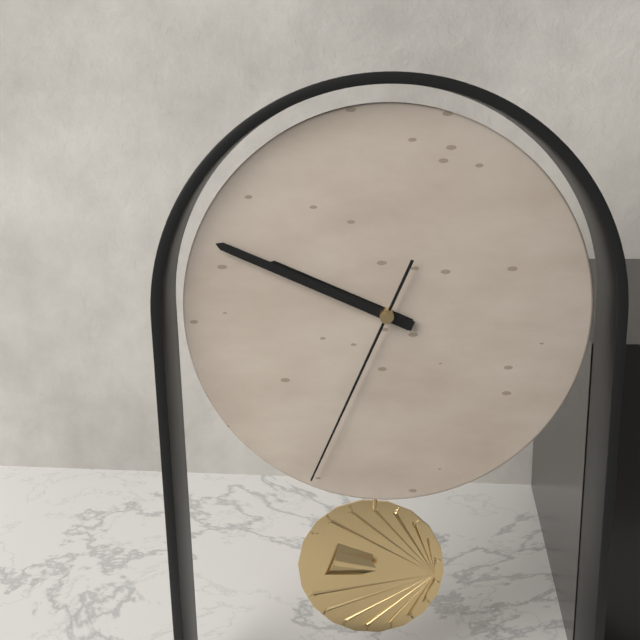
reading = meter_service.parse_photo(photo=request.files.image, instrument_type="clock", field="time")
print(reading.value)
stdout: 9:49:34
